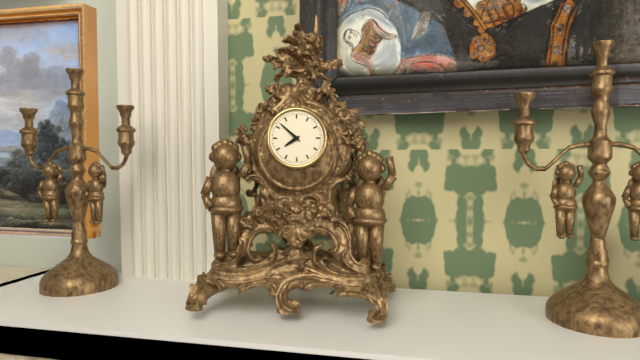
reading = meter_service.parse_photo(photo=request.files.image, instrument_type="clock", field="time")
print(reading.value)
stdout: 7:52
